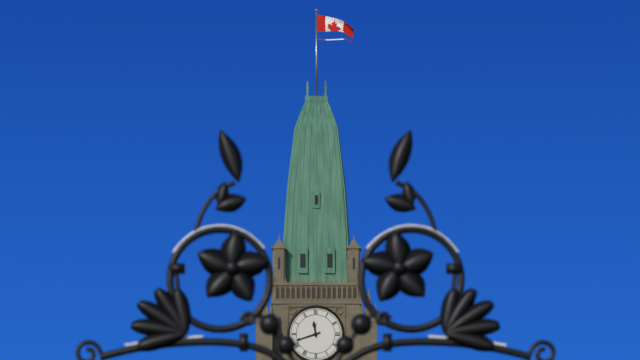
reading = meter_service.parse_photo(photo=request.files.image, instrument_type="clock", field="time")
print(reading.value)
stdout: 11:42
